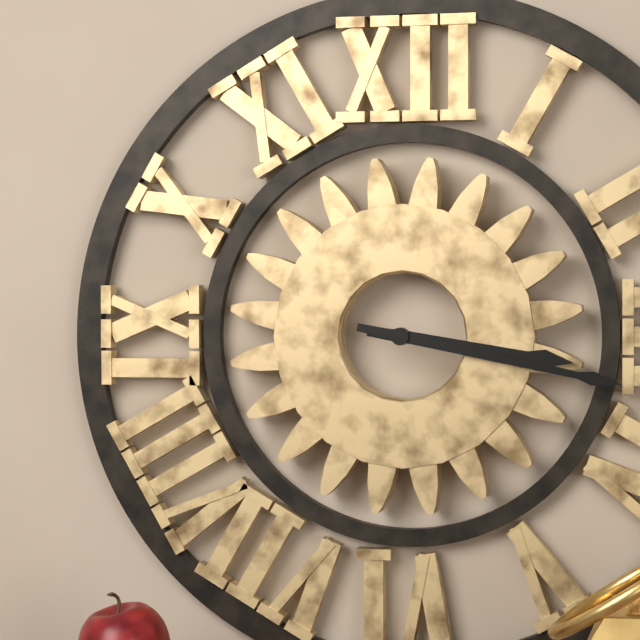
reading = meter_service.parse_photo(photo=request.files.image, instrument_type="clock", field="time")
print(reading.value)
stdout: 3:17
